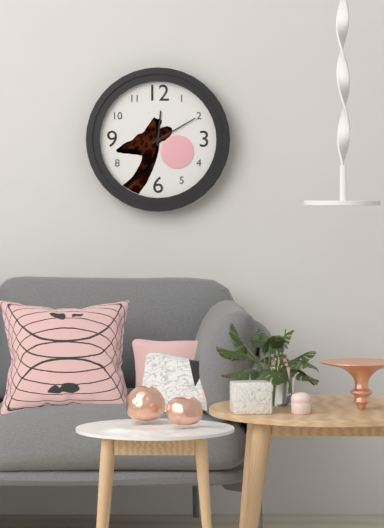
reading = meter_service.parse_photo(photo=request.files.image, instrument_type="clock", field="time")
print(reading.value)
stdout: 12:10
